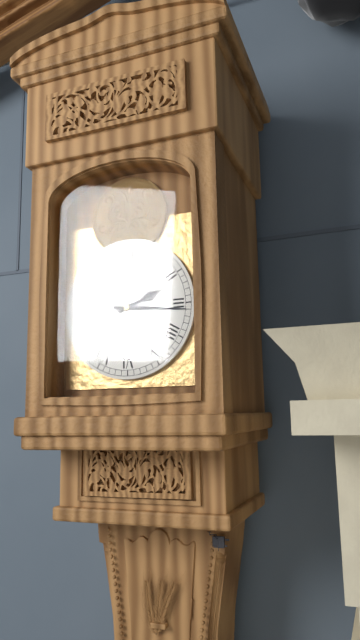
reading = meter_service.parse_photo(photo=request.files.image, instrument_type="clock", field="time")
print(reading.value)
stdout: 2:16
